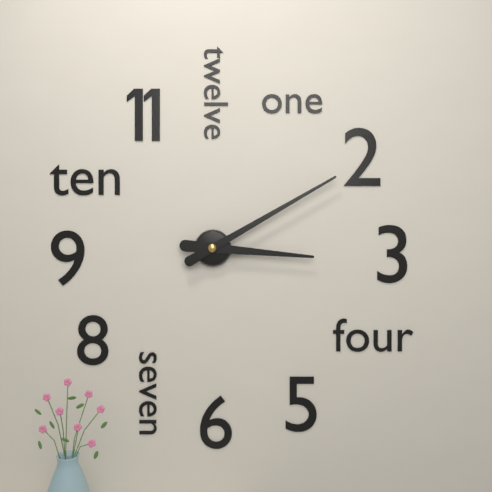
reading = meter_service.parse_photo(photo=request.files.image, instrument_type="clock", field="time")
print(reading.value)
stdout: 3:10
